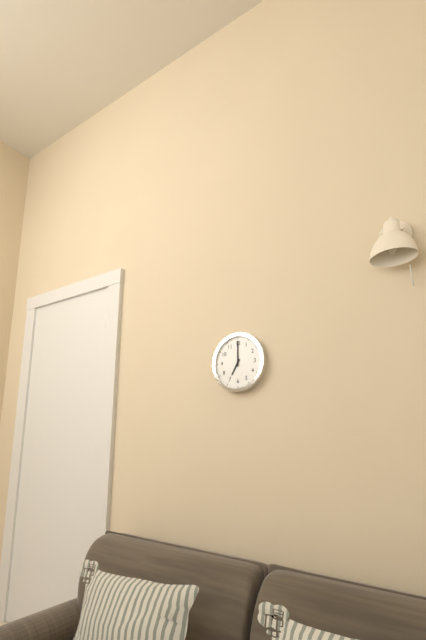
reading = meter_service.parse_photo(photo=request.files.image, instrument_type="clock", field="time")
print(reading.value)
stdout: 7:00
